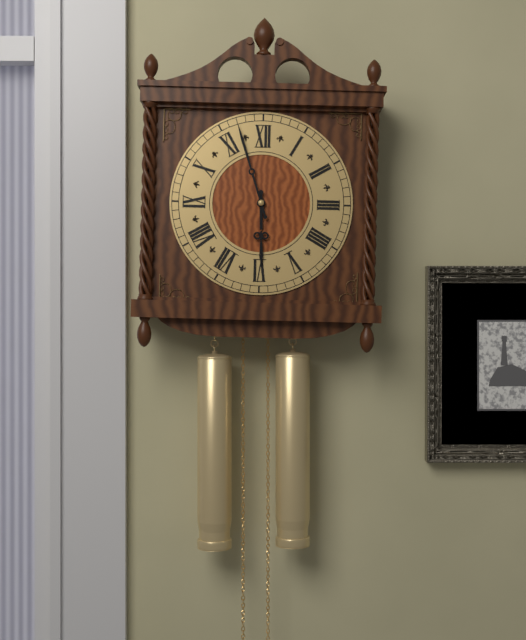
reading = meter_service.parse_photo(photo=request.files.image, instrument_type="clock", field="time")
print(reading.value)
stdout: 5:57
